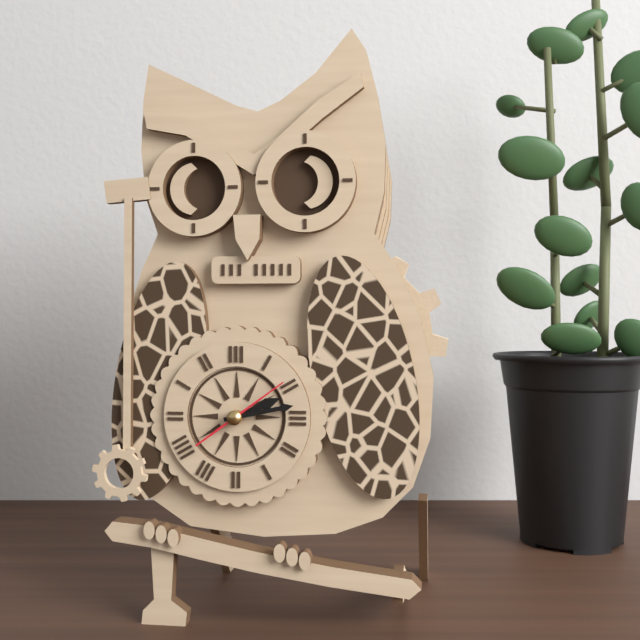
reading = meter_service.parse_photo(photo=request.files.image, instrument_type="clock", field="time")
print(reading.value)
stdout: 2:13:09
